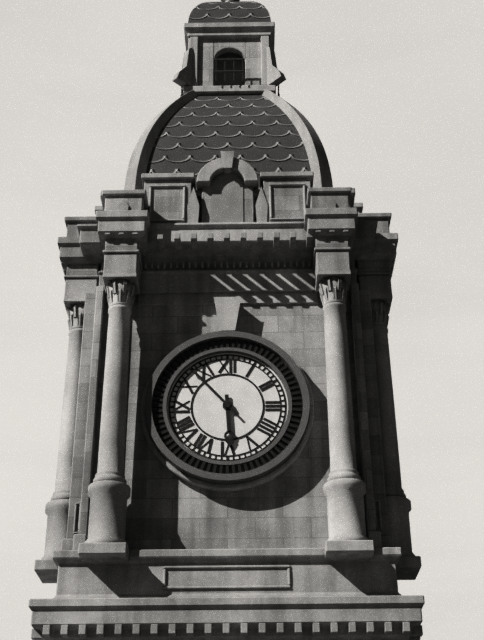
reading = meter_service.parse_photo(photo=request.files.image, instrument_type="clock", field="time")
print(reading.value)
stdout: 5:53
